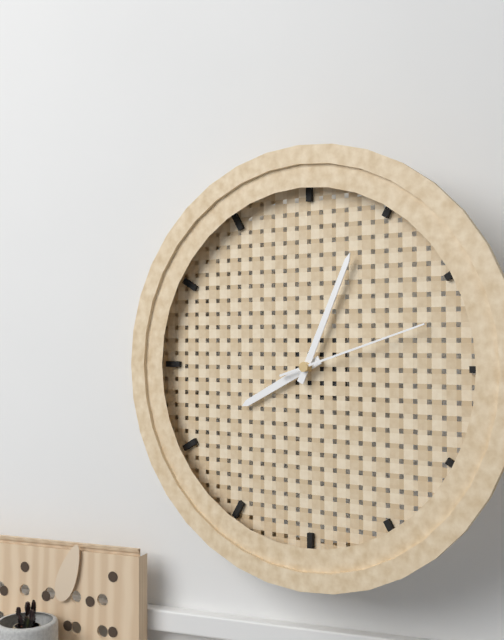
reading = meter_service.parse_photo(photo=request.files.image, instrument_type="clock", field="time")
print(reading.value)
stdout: 8:04:12
